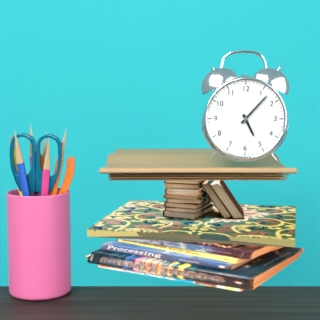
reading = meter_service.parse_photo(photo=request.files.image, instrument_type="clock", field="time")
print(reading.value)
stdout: 5:07
